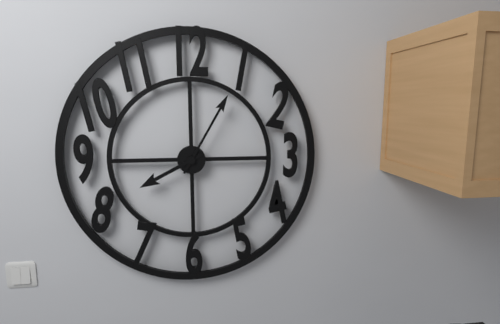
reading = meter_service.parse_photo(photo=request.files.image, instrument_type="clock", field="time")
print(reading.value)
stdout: 8:05
